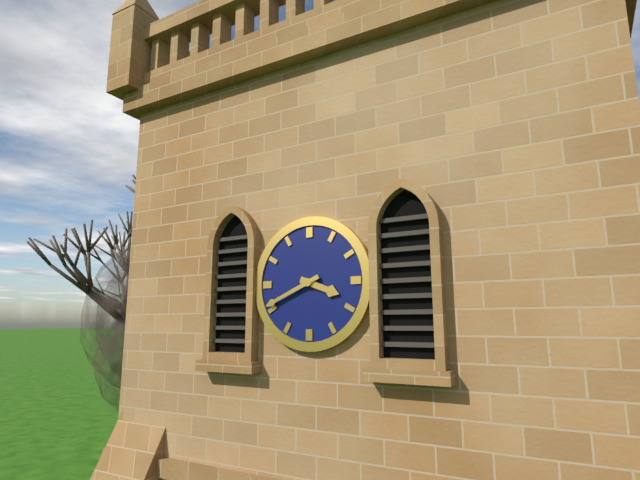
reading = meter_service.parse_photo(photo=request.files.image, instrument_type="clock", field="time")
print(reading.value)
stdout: 3:41
